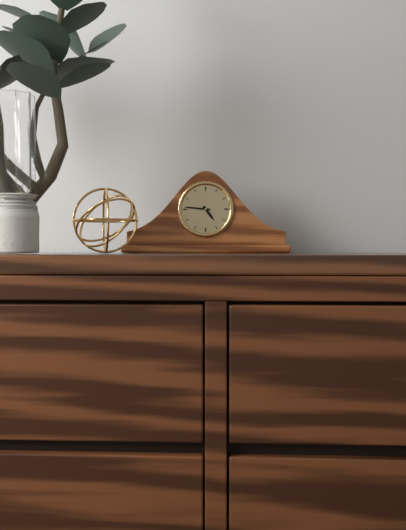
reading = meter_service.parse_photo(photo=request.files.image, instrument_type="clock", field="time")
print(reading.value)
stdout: 4:46
